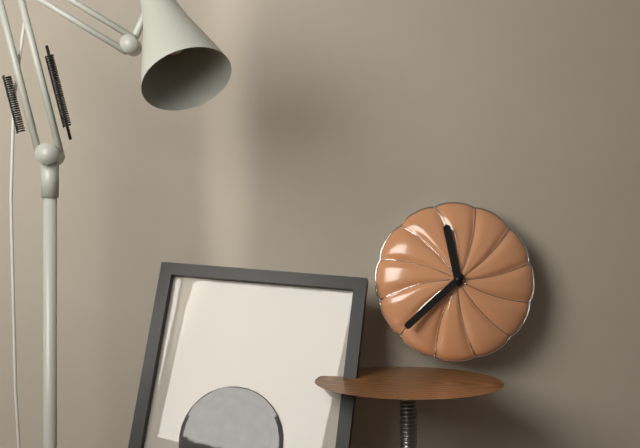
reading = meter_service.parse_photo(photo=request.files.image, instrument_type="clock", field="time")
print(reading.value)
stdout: 11:38
